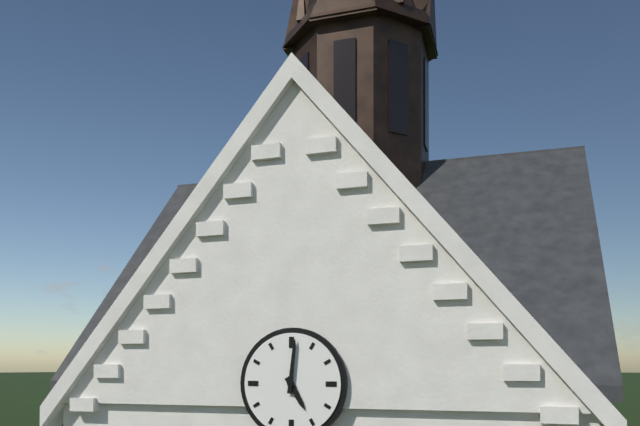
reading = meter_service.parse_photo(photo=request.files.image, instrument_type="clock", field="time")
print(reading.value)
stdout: 5:01
